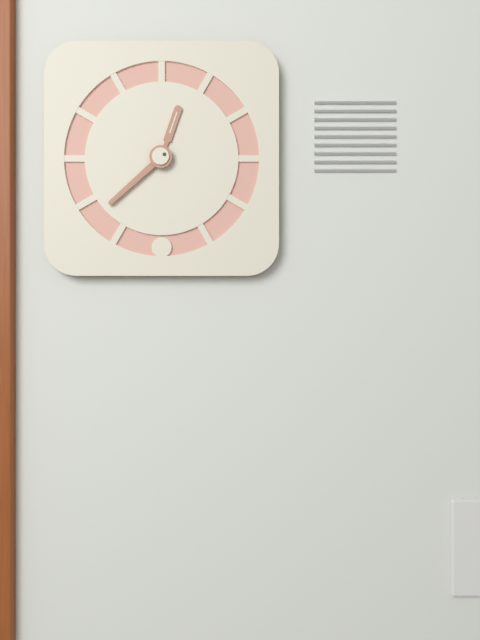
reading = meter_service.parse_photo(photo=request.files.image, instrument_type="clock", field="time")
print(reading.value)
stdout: 12:38
